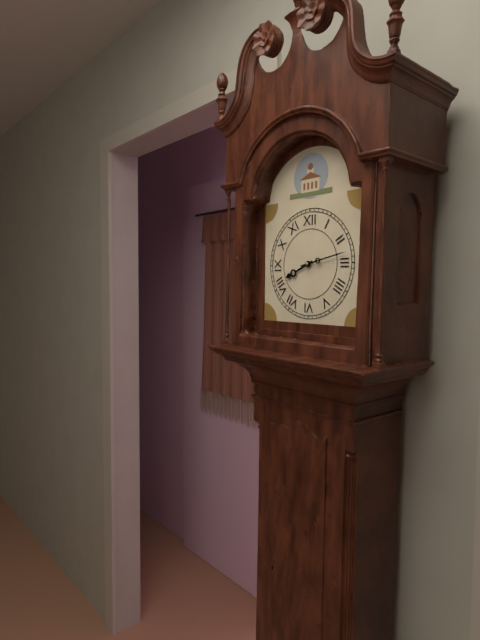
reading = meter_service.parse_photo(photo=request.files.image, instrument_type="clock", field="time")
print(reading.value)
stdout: 8:13
